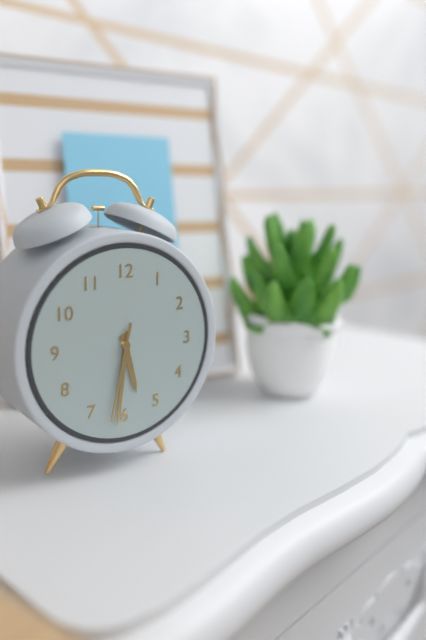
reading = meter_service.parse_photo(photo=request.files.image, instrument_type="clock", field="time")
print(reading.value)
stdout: 5:31:32
